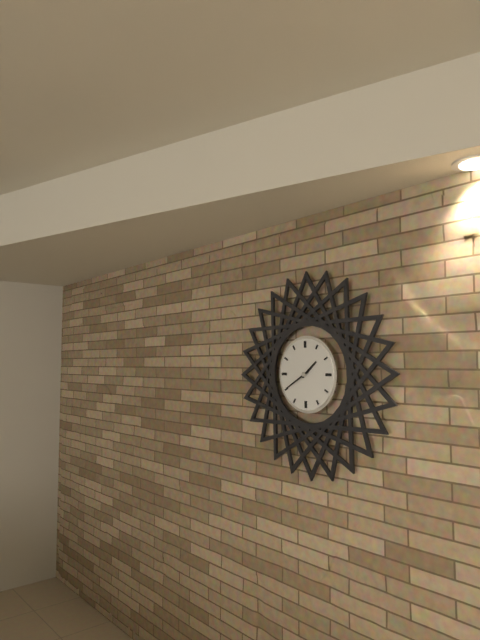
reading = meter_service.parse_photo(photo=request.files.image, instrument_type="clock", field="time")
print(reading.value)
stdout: 1:40
